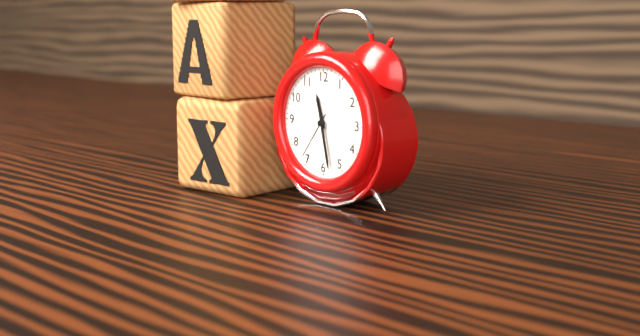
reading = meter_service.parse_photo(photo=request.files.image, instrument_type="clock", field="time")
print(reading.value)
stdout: 11:28
